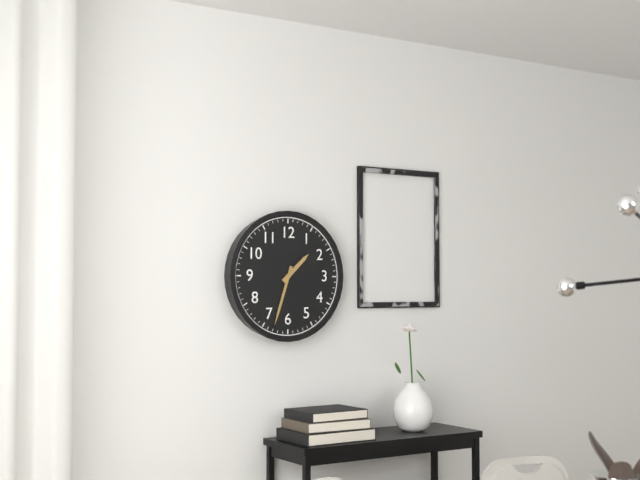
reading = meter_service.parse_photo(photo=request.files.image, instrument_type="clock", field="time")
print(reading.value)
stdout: 1:33
